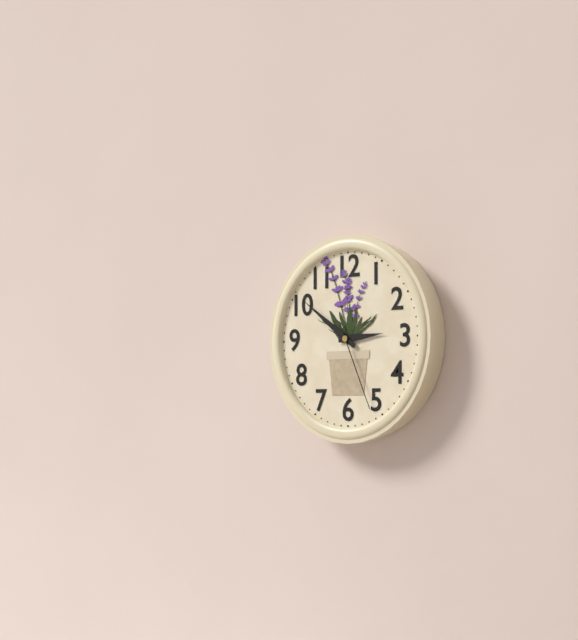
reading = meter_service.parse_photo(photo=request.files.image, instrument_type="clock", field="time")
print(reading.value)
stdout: 2:51:26
